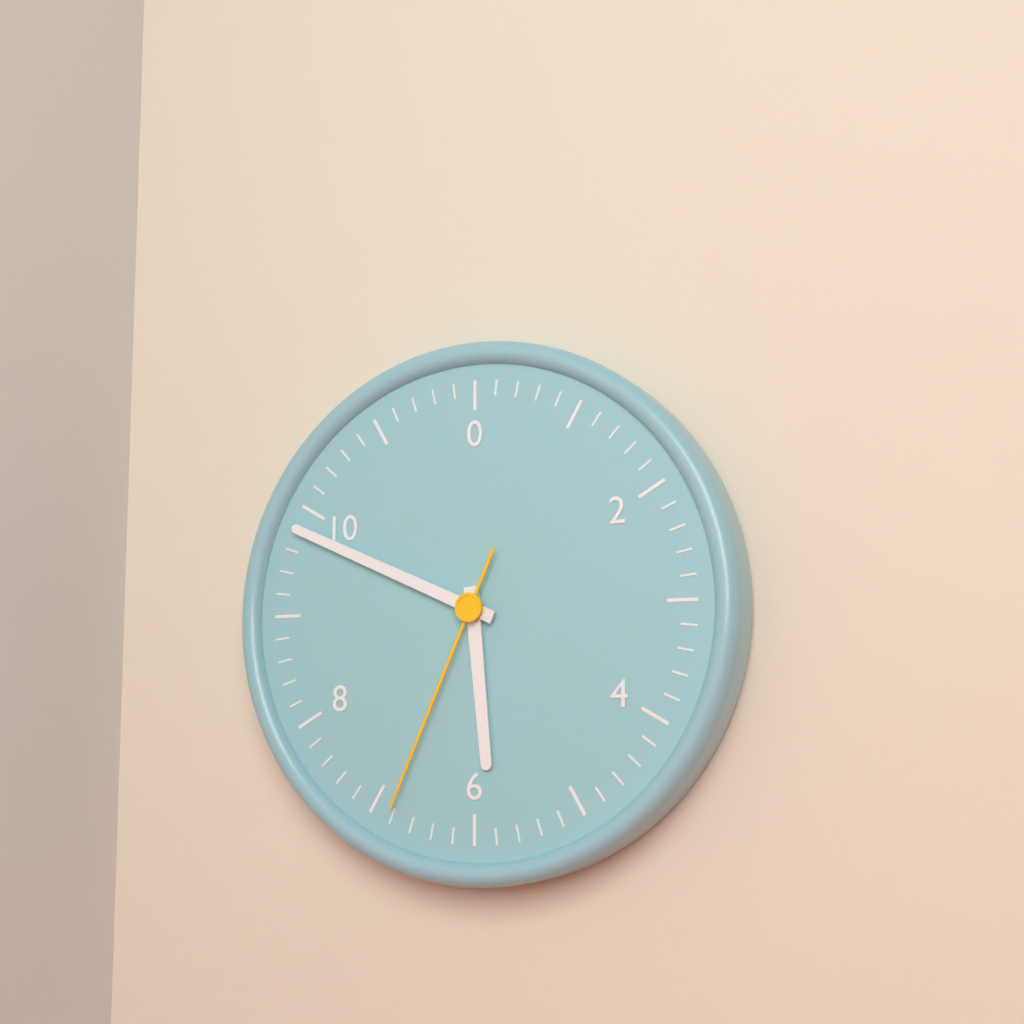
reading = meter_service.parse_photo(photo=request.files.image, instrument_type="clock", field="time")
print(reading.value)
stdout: 5:49:34
